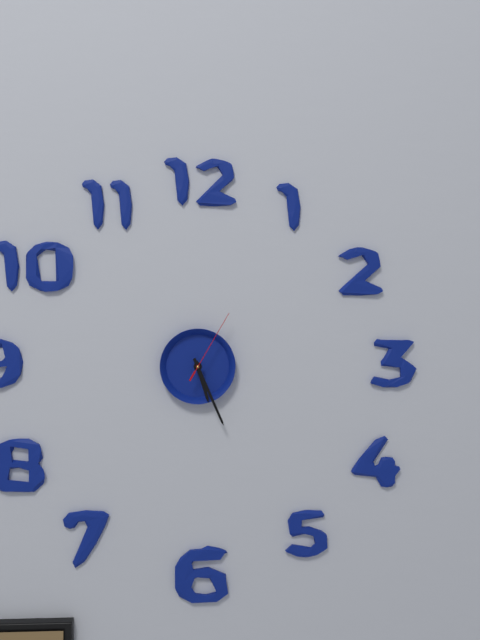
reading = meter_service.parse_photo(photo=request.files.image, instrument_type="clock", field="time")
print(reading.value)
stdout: 5:26:05
